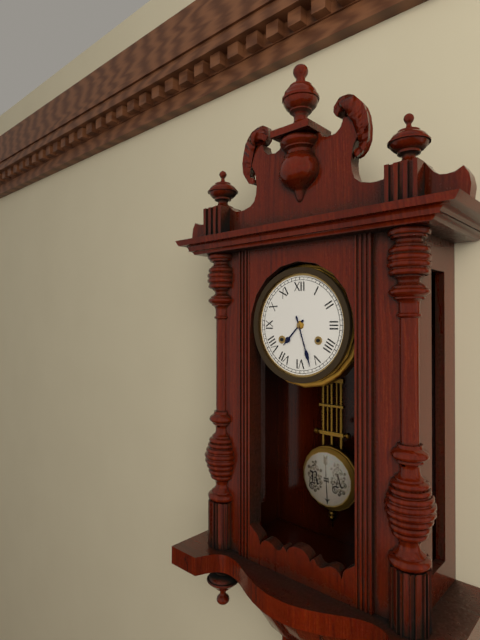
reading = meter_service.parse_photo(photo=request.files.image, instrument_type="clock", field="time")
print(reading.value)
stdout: 7:27
